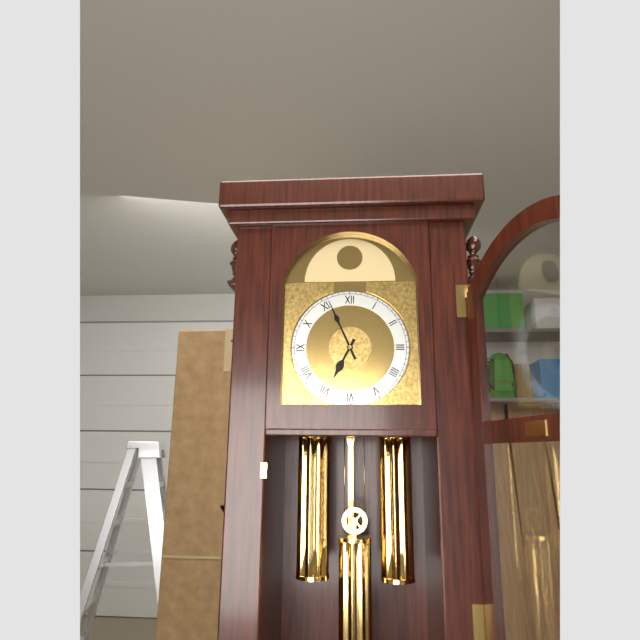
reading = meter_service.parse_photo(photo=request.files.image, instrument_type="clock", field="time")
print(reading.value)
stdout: 6:56
